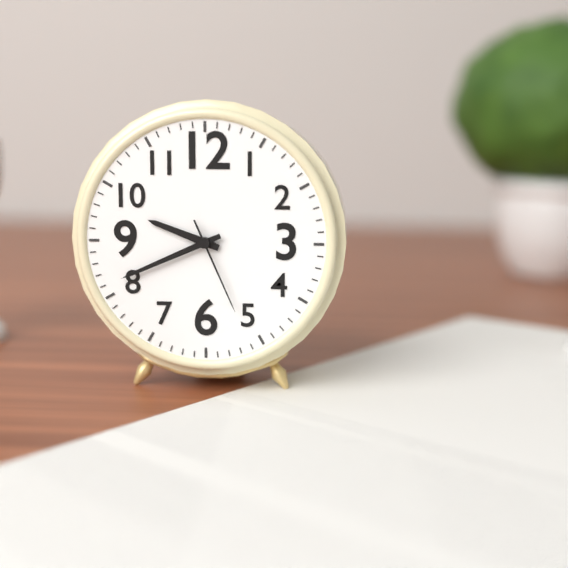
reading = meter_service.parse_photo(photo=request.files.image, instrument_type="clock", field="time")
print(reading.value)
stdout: 9:41:26
